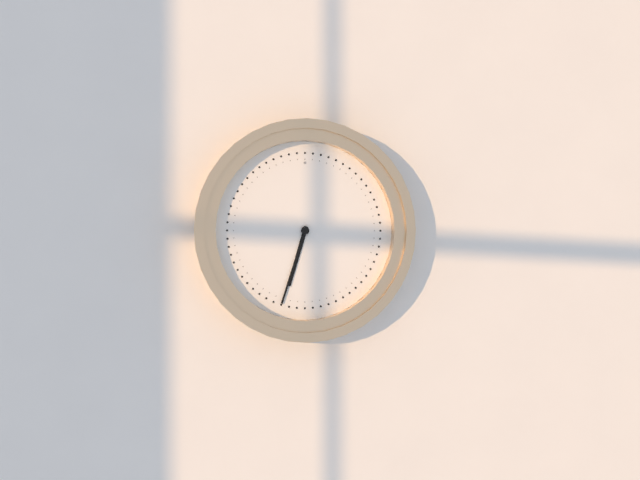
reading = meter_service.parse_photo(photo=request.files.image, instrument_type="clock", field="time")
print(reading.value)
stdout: 6:33
